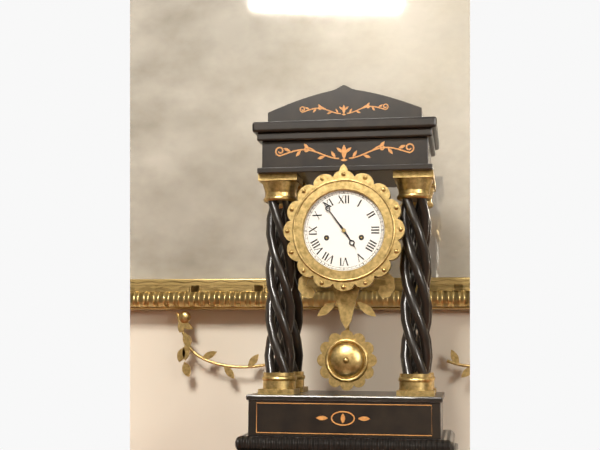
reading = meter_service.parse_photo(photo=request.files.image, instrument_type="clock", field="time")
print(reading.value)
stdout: 4:54
